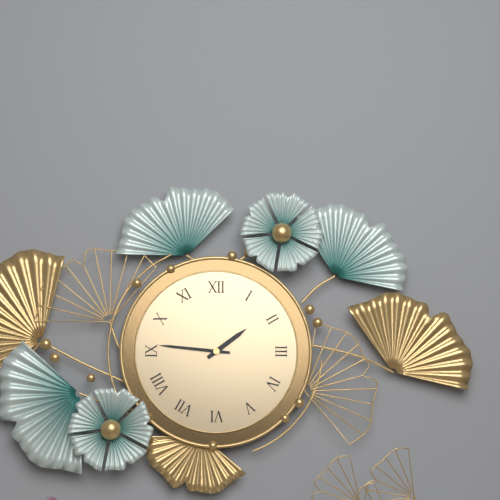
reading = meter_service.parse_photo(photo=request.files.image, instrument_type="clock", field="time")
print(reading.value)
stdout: 1:46
